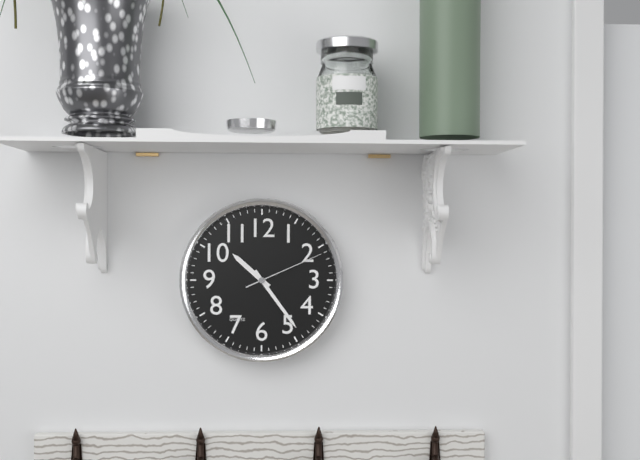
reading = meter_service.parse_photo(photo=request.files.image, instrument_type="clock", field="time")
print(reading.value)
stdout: 10:24:11
